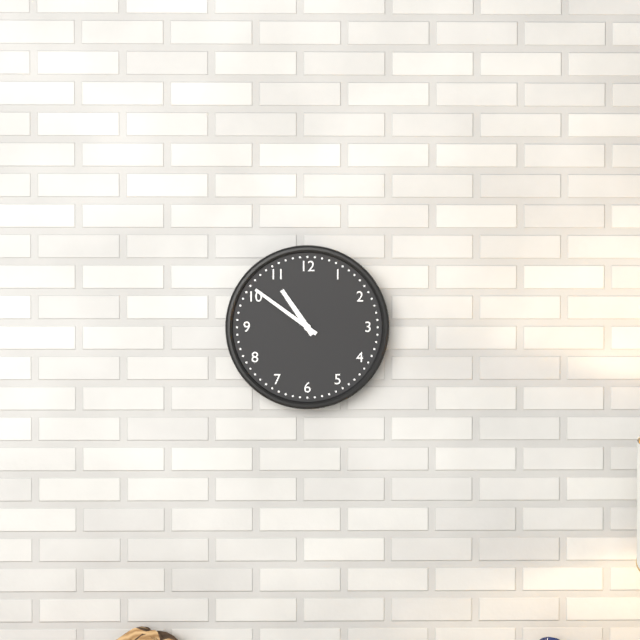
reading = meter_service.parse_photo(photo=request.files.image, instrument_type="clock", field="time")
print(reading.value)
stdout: 10:51
